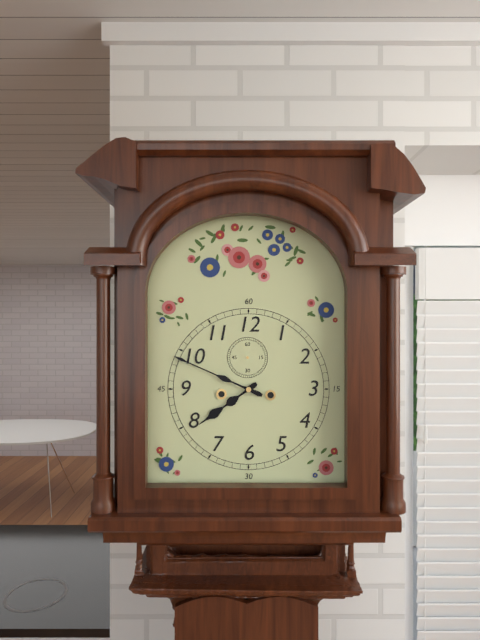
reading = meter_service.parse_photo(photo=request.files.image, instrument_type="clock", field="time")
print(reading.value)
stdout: 7:49
